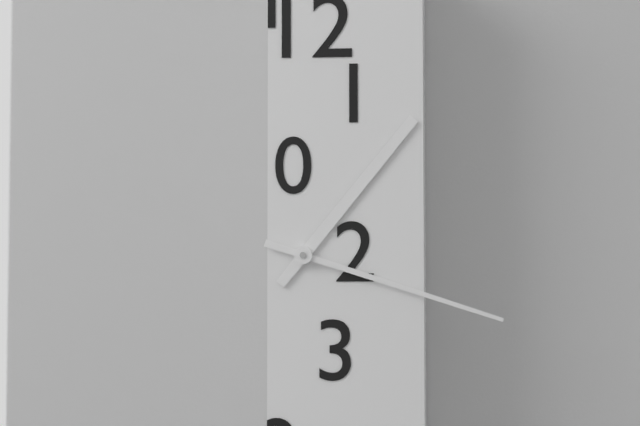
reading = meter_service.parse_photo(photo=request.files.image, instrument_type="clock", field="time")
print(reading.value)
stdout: 1:18
